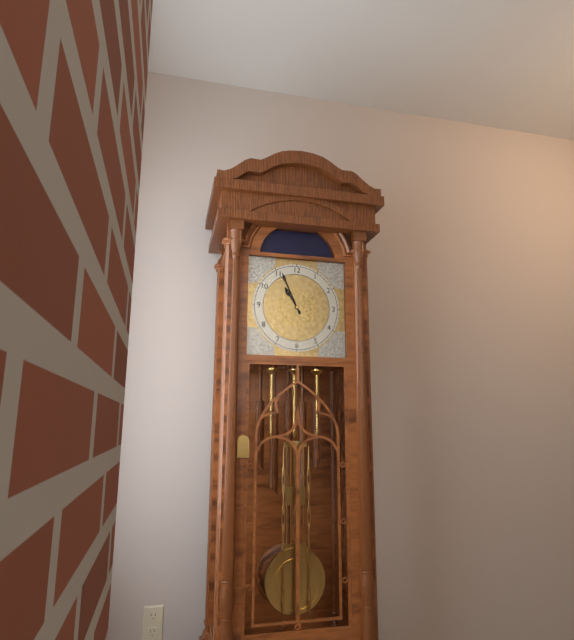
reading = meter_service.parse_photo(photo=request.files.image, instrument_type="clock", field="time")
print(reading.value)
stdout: 10:56
